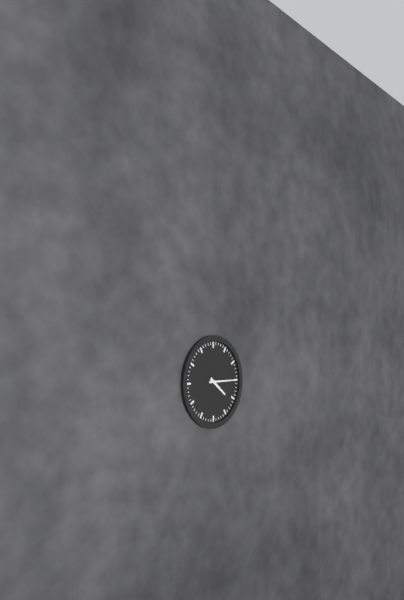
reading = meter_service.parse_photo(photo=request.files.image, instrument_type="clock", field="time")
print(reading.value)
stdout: 4:15
